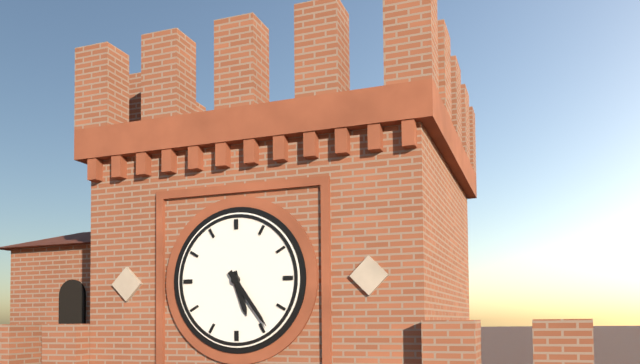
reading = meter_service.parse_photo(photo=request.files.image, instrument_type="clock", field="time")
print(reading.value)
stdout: 5:24
